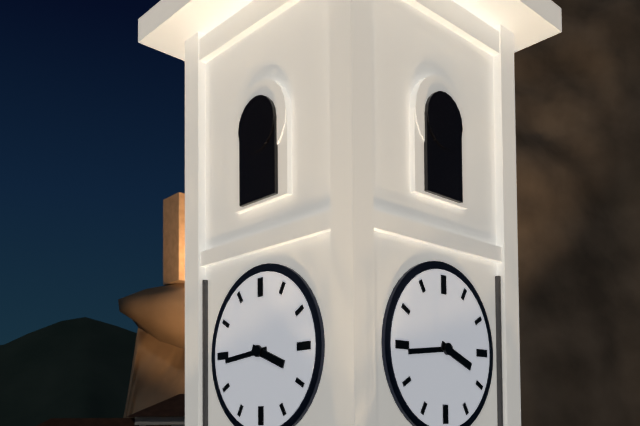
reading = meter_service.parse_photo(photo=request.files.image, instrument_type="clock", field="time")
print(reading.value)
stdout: 3:44
